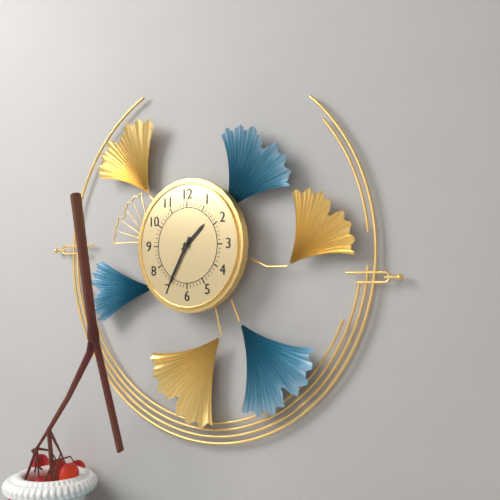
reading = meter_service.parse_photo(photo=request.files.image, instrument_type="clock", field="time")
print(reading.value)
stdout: 1:35
